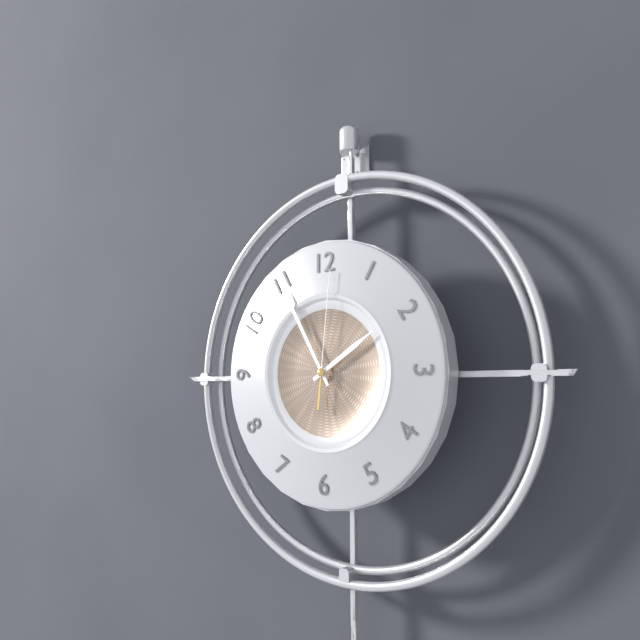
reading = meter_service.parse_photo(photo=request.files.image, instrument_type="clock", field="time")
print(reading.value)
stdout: 1:55:01
